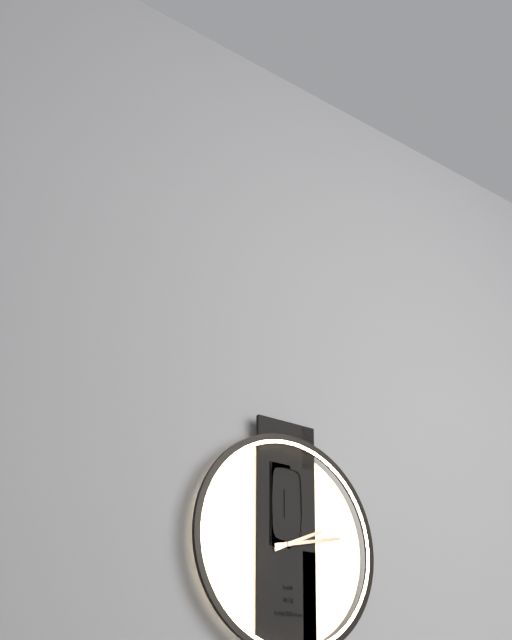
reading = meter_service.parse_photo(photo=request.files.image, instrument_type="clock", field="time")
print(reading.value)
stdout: 2:13
